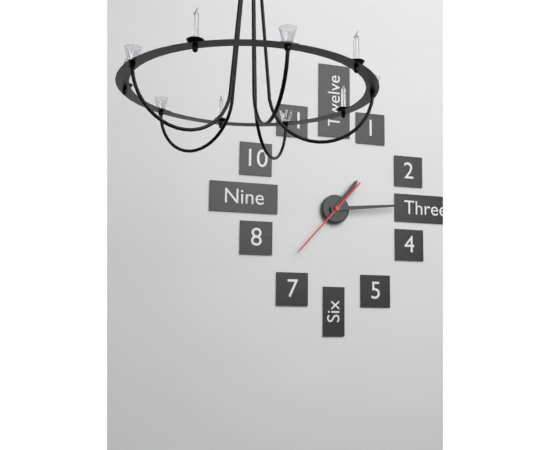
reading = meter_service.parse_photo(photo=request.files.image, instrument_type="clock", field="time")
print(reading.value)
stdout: 1:14:37
